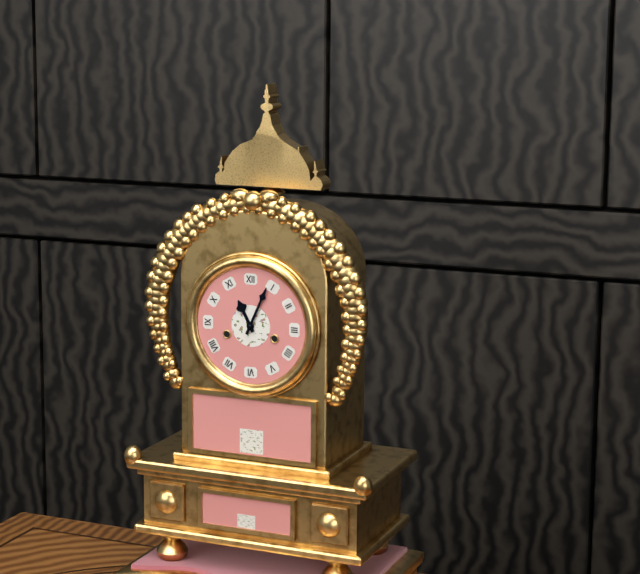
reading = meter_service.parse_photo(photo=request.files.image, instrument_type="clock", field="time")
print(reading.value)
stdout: 11:04
